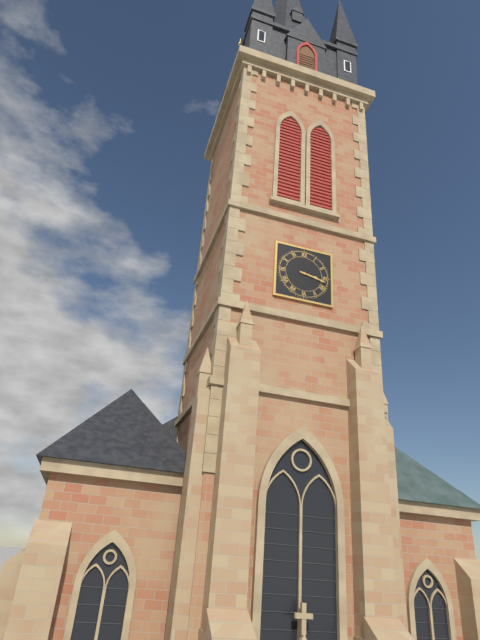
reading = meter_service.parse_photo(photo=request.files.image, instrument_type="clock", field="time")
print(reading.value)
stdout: 3:17
